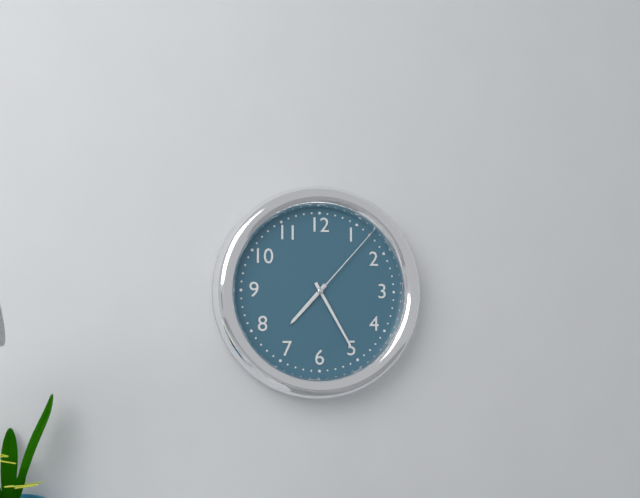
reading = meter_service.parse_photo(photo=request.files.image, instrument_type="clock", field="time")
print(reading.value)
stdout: 7:25:07
